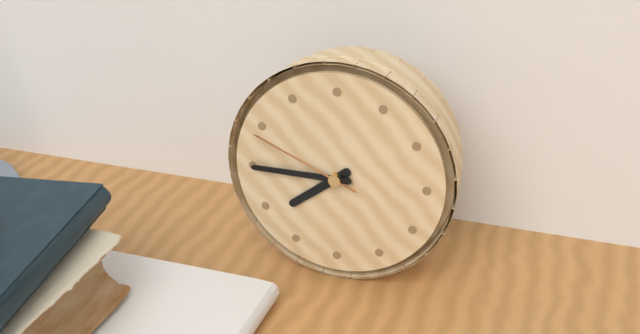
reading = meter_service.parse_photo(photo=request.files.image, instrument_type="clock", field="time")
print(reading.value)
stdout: 7:45:49
